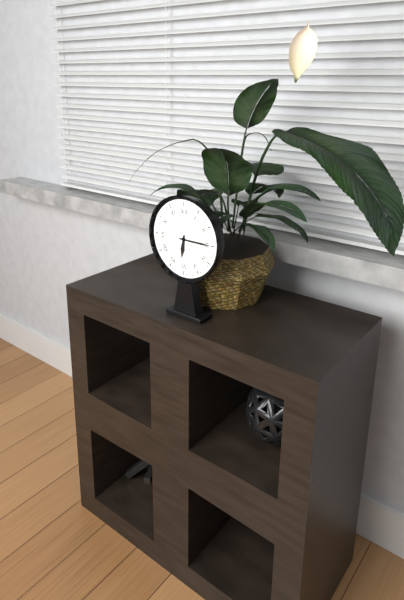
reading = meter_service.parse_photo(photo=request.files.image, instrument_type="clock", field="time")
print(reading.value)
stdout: 6:15
